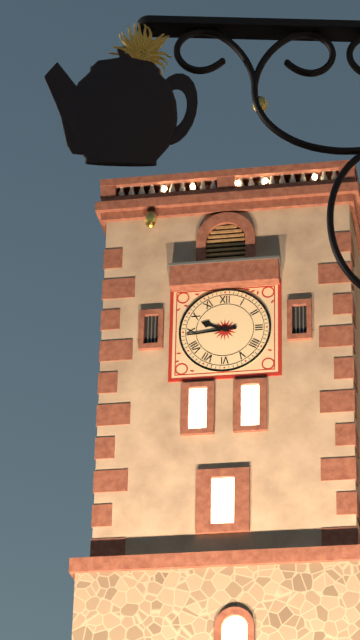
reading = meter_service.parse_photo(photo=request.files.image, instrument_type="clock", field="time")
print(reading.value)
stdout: 9:44
